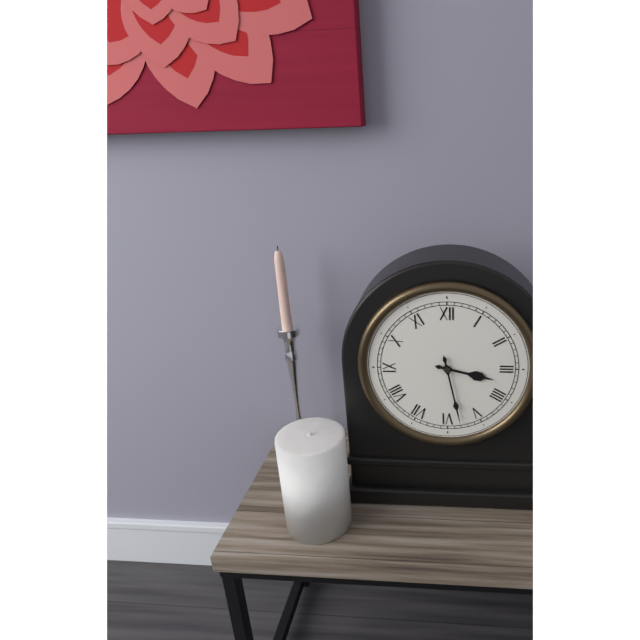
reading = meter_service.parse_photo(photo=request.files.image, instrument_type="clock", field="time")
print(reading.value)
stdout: 3:28
